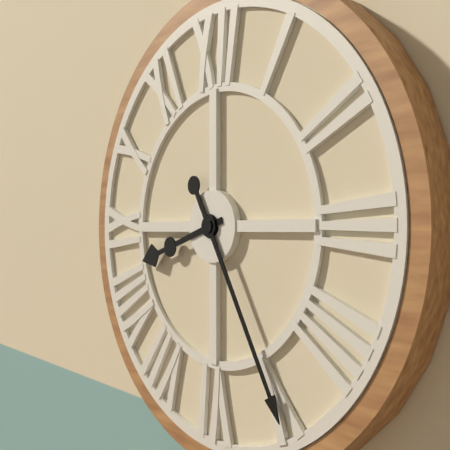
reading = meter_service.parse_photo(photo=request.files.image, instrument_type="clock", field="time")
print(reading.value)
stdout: 8:25
